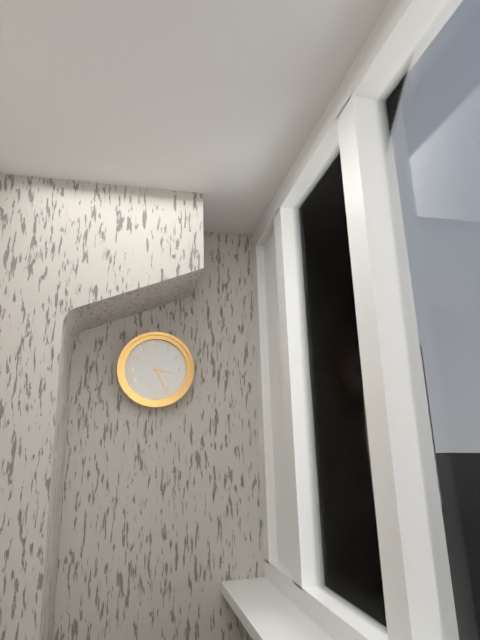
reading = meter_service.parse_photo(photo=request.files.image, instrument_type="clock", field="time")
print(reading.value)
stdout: 3:26
